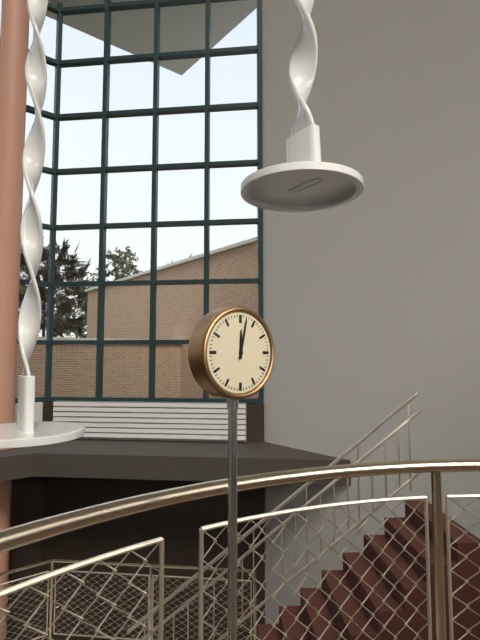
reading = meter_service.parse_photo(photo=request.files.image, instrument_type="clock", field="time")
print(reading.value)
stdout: 12:02
